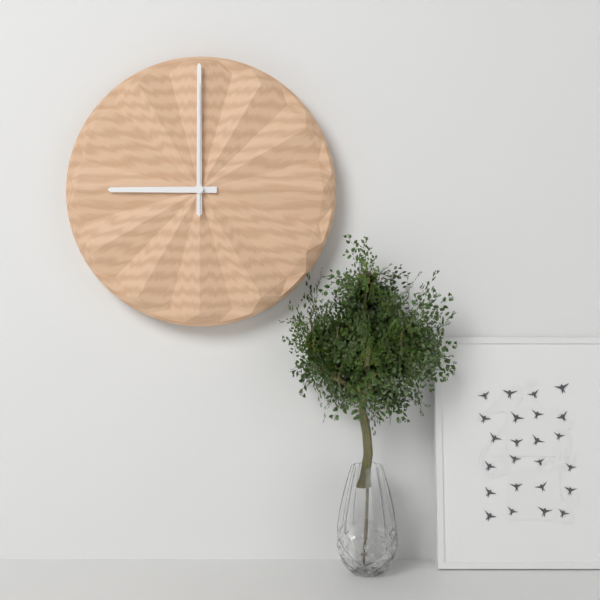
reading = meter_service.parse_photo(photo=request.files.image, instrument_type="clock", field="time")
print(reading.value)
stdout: 9:00:00
